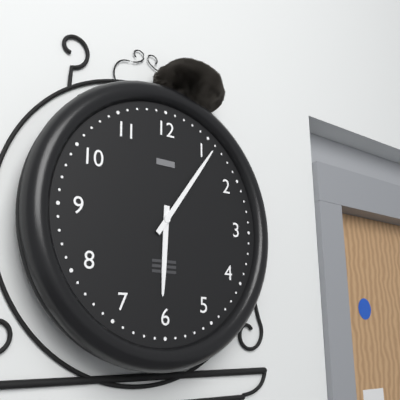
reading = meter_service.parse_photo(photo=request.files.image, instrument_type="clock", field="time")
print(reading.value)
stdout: 6:06
